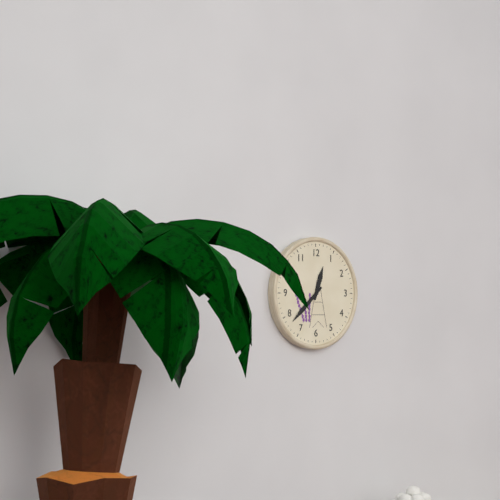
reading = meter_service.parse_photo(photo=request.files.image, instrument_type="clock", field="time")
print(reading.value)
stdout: 12:38
